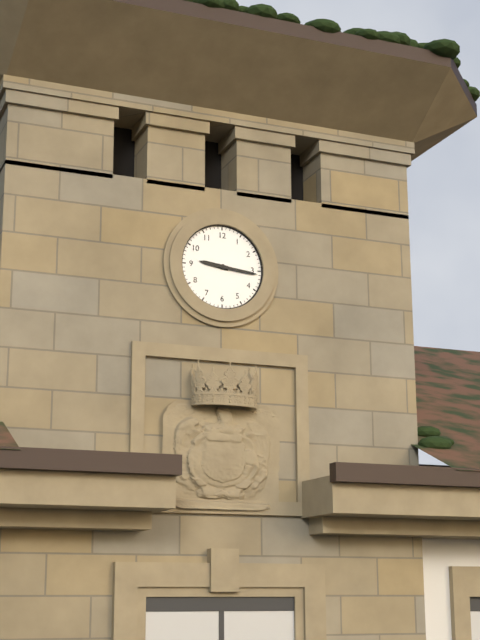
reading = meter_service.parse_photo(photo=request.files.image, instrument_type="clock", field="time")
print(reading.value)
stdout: 9:16
